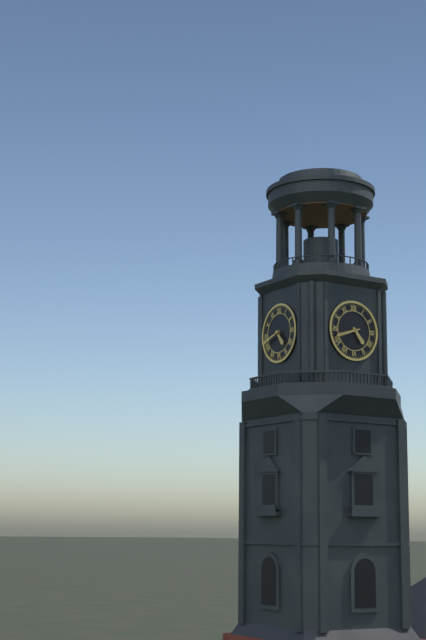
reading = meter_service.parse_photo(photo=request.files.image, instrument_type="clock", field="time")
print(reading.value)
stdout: 4:42
